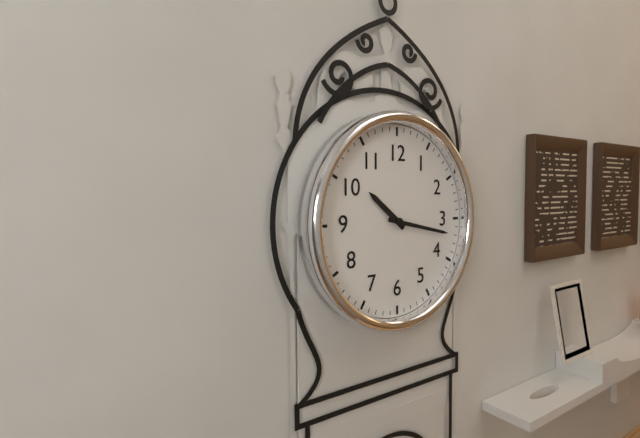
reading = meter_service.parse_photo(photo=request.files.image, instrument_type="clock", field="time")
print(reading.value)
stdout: 10:17
